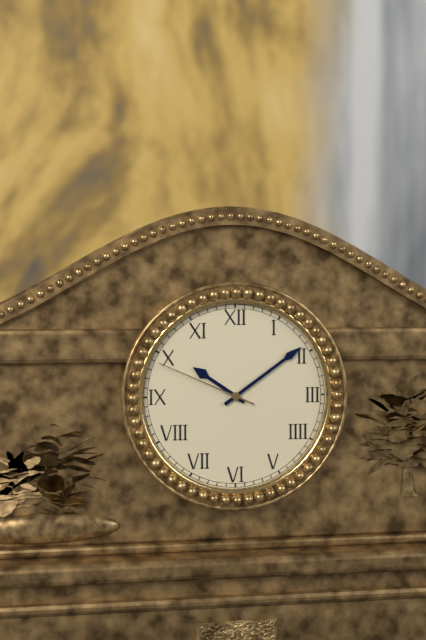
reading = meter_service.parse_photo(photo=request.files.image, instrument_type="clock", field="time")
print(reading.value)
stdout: 10:09:49
